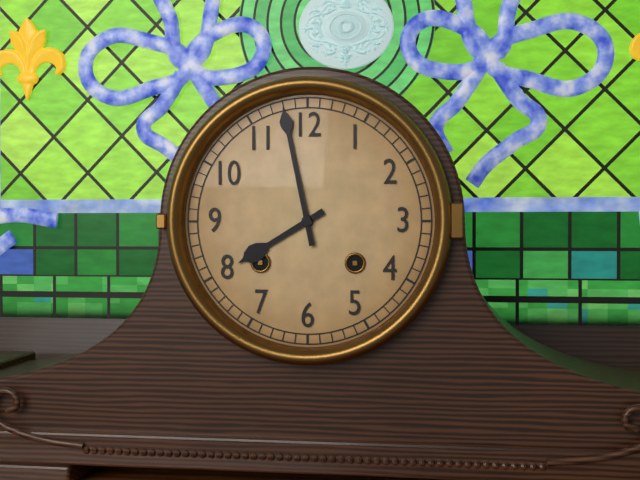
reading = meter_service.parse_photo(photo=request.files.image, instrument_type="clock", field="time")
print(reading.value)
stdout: 7:58
